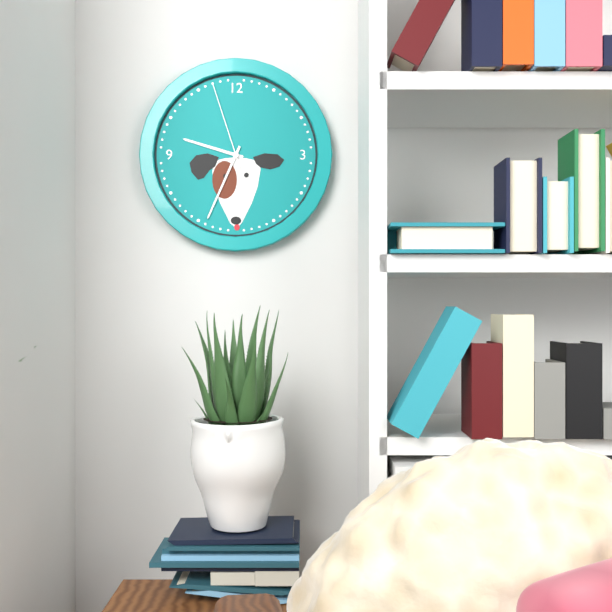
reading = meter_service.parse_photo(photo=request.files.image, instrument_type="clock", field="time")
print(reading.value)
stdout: 9:34:57
